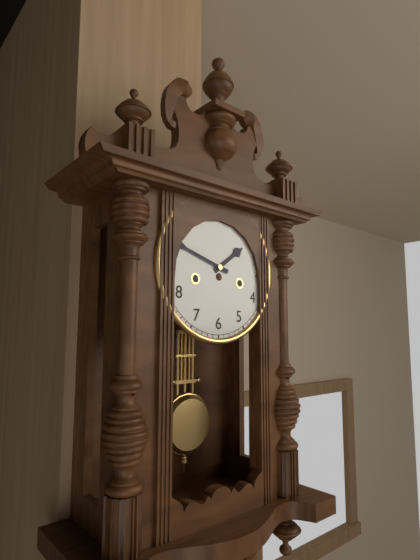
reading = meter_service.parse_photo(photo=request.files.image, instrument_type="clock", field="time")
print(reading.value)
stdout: 1:48
